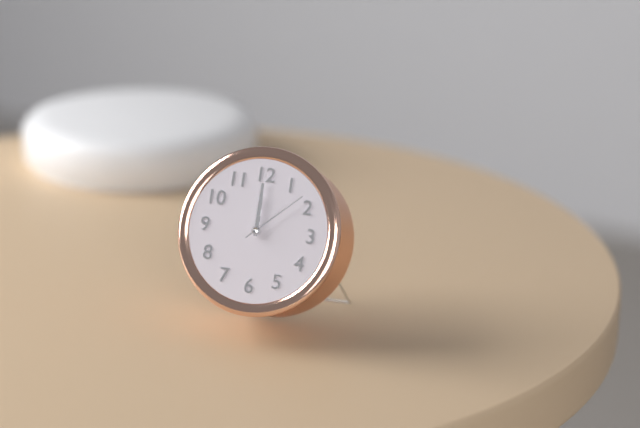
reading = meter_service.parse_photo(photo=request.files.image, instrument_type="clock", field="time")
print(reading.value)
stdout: 12:00:08
